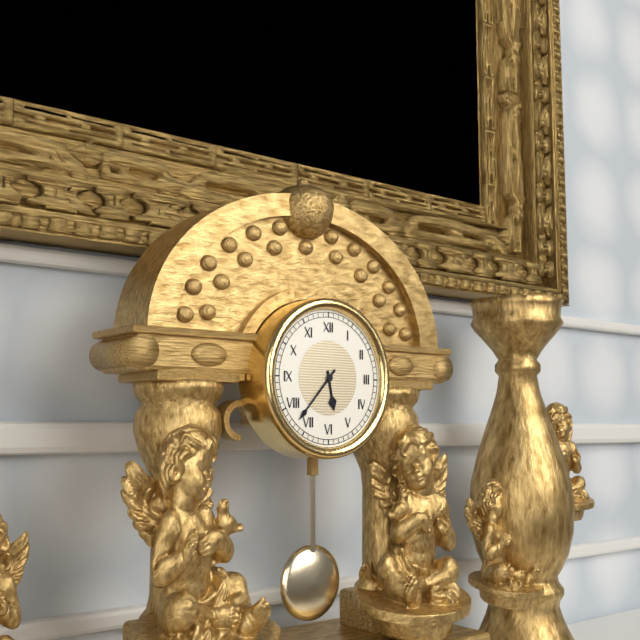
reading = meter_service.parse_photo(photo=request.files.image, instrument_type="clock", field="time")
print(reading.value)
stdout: 5:37
